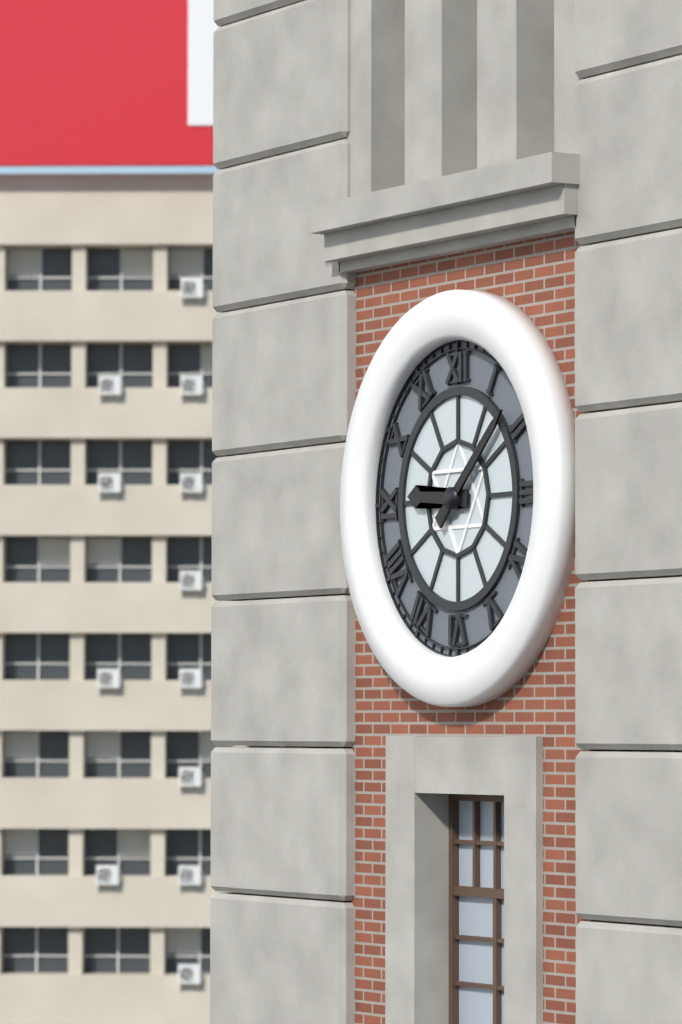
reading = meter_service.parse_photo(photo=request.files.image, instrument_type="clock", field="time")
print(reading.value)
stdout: 9:08
